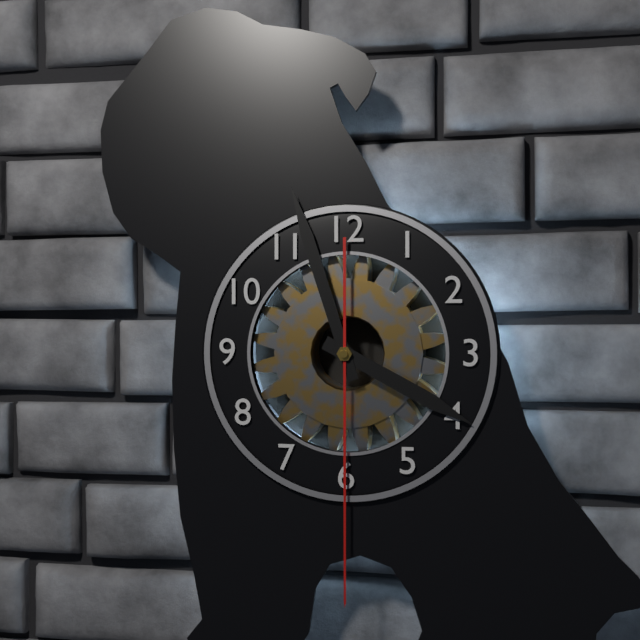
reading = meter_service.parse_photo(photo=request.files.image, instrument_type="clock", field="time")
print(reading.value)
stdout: 3:57:30
